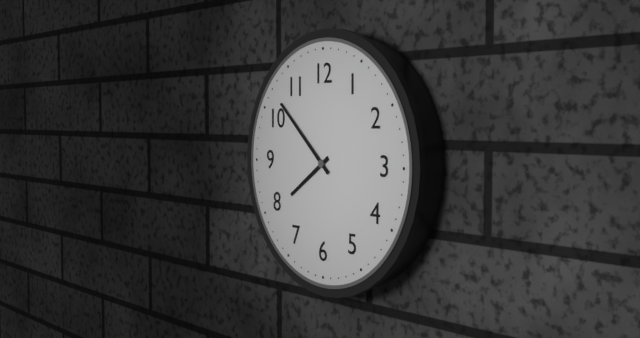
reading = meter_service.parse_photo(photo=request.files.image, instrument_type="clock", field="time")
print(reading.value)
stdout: 7:52
